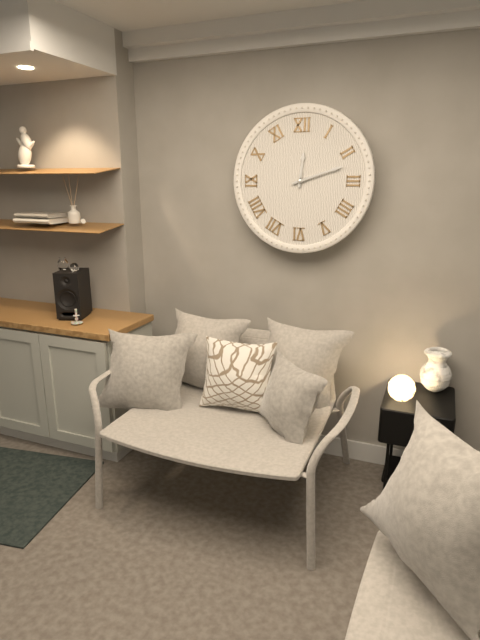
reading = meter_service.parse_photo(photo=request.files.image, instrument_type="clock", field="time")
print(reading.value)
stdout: 12:12
